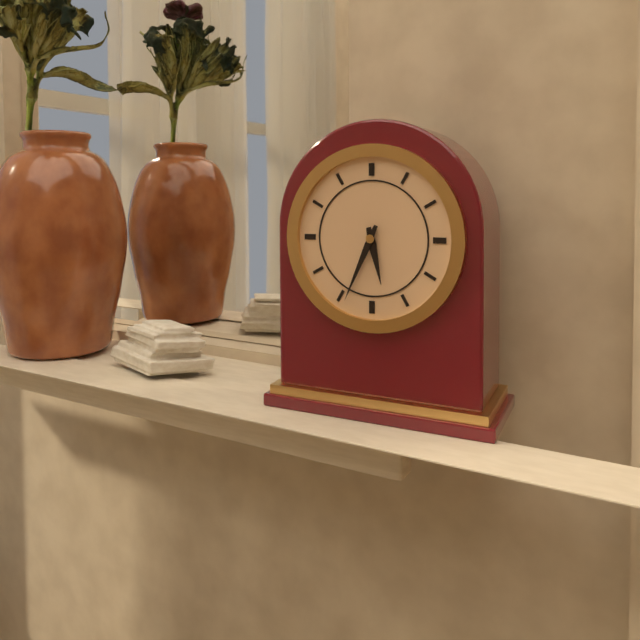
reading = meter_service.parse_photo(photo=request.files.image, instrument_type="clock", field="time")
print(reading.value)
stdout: 5:34
